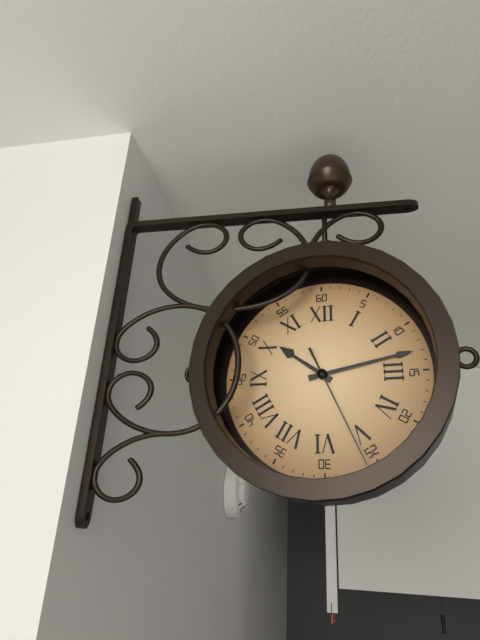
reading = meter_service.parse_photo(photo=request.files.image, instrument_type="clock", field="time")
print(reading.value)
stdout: 10:13:26
